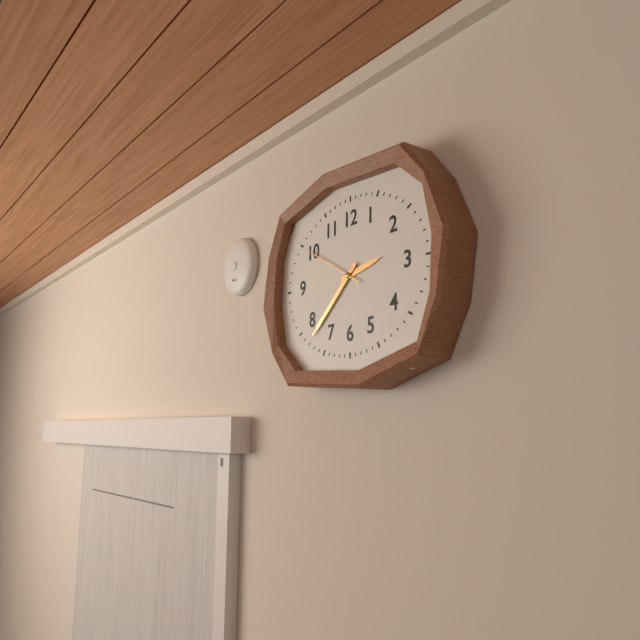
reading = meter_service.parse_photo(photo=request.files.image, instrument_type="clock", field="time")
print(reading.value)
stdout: 2:38:50
